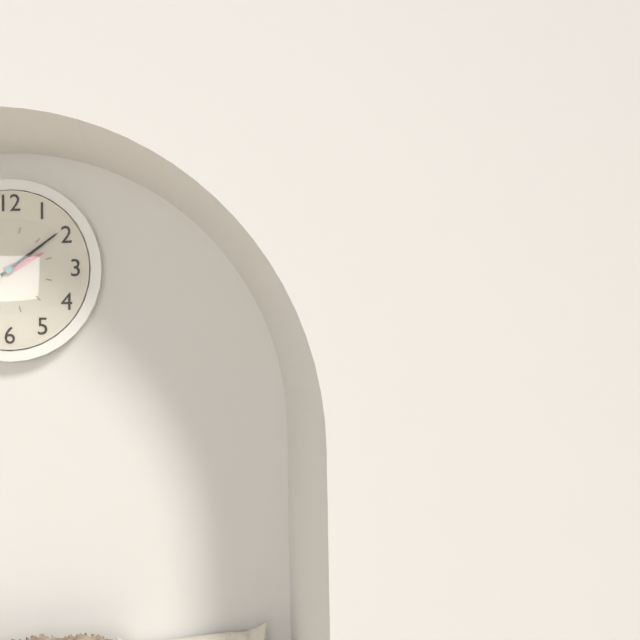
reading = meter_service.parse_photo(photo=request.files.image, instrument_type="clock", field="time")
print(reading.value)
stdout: 2:09
